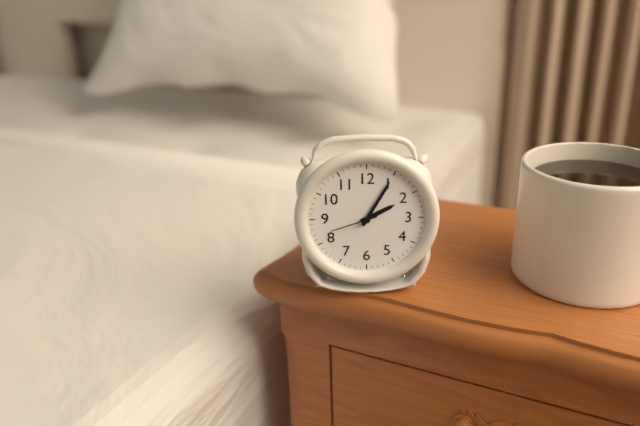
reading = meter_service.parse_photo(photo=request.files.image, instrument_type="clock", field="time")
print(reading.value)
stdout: 2:05
